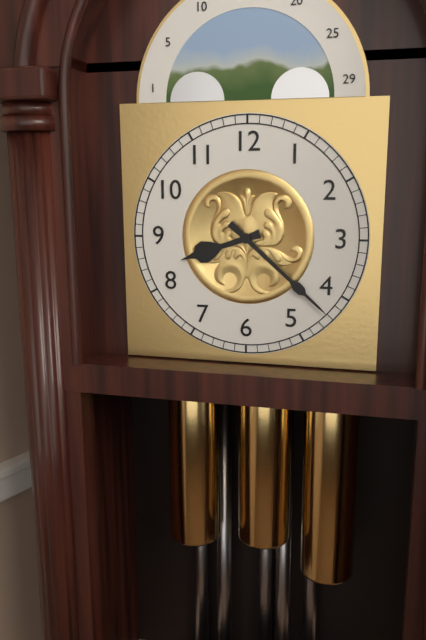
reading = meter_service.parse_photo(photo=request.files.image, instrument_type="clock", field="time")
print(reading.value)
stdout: 8:22
